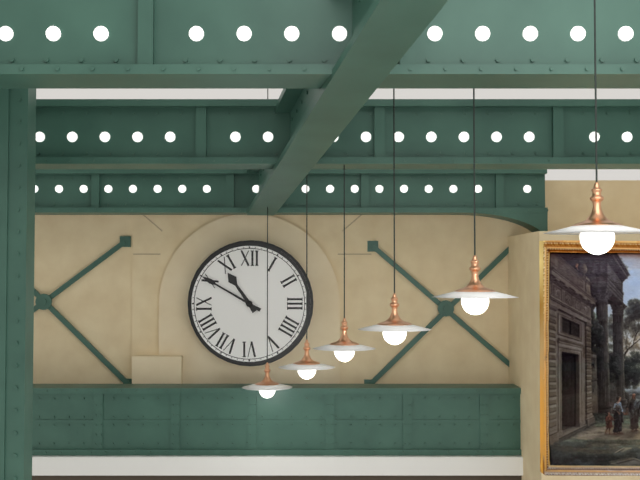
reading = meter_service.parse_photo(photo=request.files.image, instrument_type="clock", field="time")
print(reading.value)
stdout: 10:50
